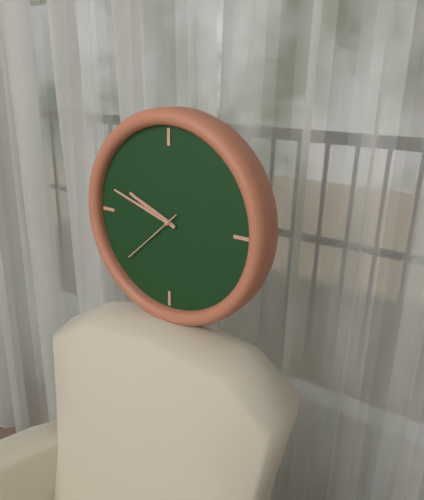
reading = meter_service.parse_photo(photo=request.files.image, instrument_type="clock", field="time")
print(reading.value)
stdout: 9:48:38
